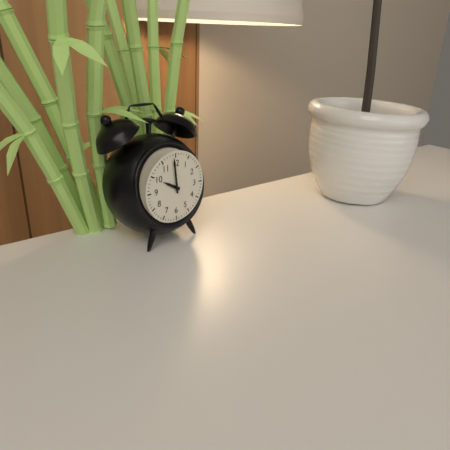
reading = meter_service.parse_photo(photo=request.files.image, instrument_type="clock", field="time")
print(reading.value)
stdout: 9:59
